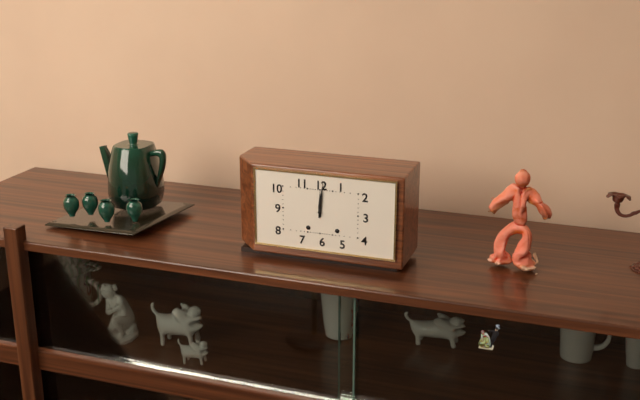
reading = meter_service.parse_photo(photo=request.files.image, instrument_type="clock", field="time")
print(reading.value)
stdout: 12:01
